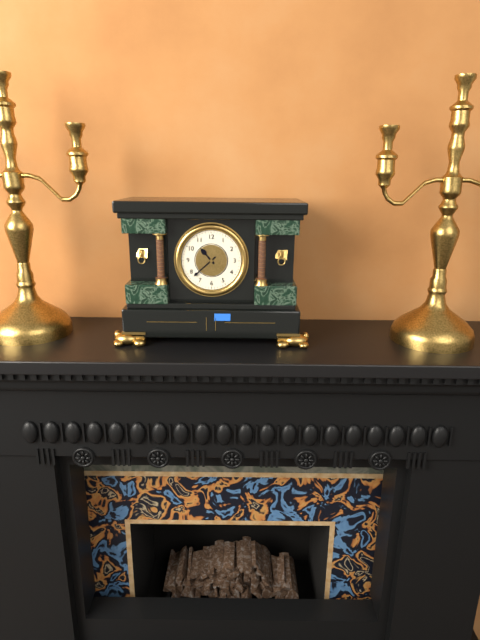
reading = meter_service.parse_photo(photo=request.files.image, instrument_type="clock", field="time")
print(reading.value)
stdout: 10:38
